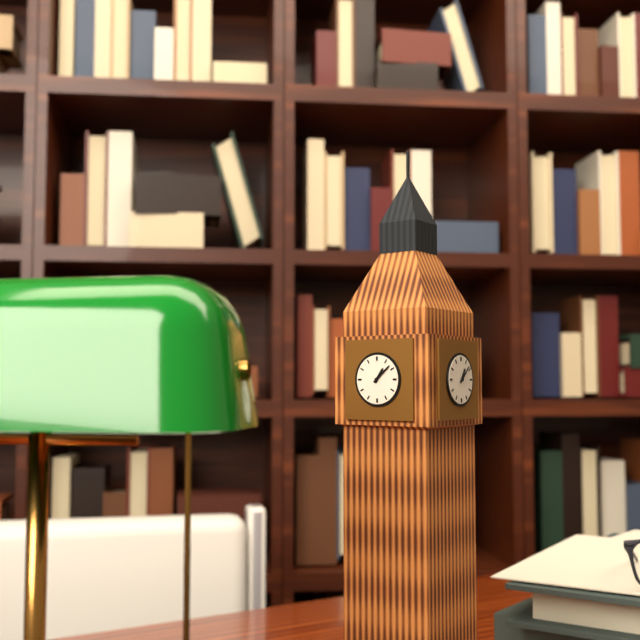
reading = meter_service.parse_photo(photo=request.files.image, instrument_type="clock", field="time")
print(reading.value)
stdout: 1:08
